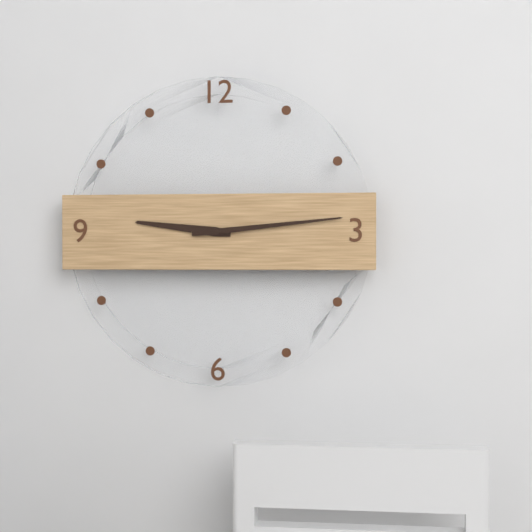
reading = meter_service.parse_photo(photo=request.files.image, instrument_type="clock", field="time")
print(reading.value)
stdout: 9:14
